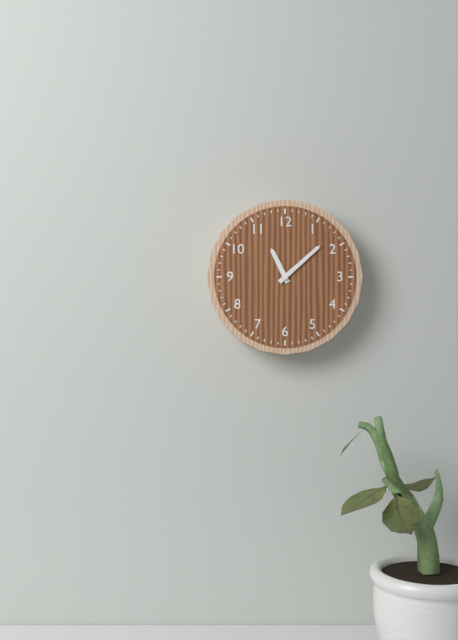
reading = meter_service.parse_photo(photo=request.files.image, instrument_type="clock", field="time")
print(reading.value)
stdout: 11:08
